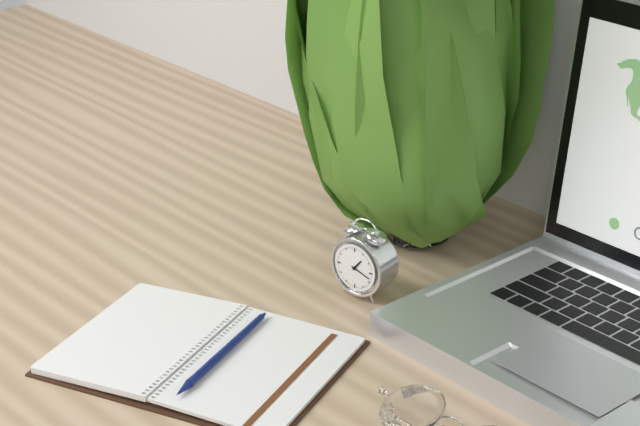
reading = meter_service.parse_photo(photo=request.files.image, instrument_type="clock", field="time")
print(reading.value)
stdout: 1:18
